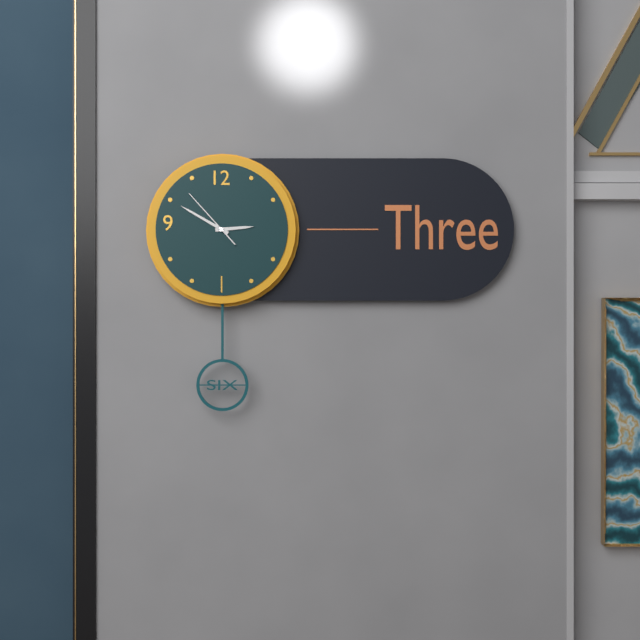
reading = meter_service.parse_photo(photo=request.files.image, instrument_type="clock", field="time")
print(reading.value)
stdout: 2:50:53
